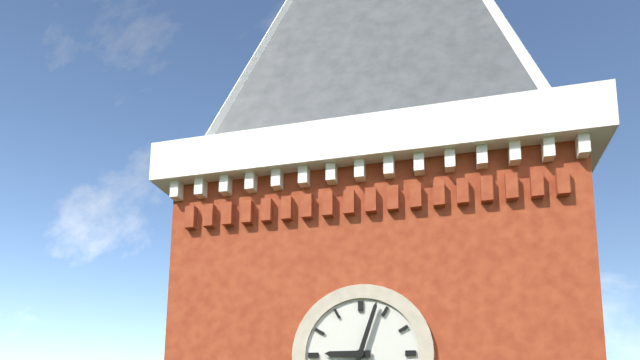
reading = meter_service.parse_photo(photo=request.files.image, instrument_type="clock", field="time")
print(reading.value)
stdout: 9:03
